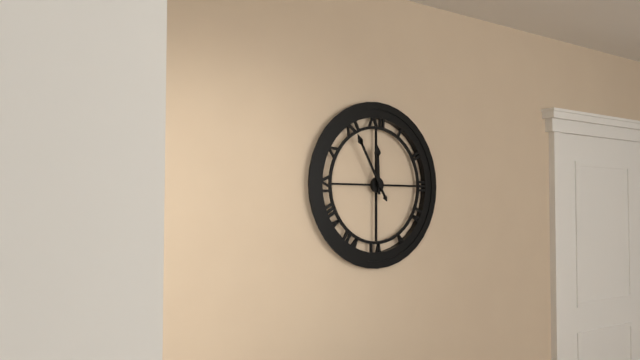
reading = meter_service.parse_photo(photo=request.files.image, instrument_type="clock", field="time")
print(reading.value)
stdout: 11:55
